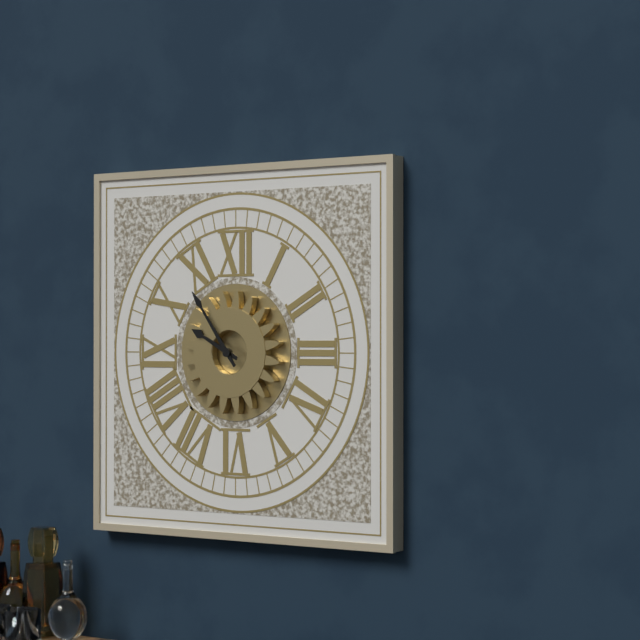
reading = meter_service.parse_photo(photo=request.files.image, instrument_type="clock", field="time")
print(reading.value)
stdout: 9:54
